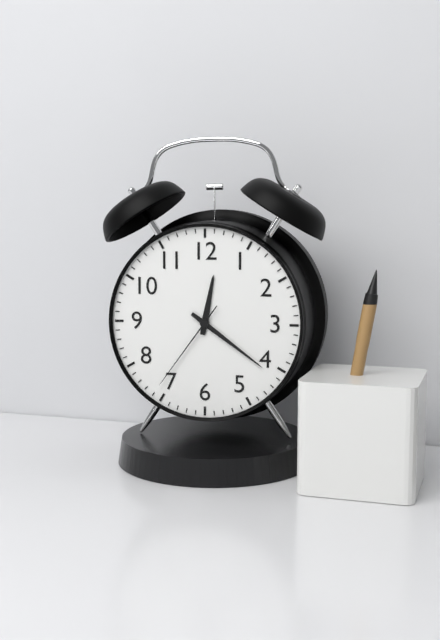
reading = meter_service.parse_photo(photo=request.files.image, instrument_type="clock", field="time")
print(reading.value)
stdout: 12:21:36
